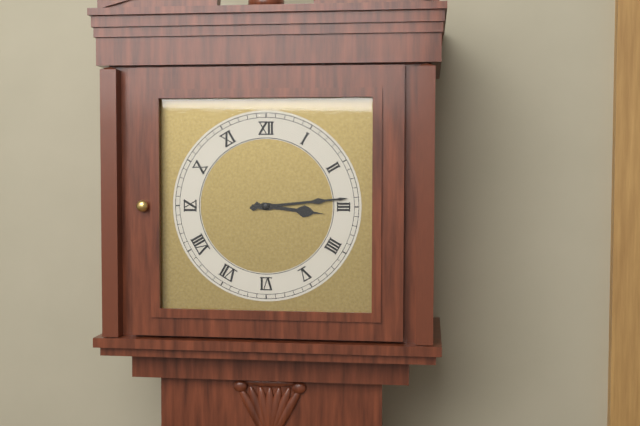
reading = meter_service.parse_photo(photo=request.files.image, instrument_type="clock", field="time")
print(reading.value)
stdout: 3:14
